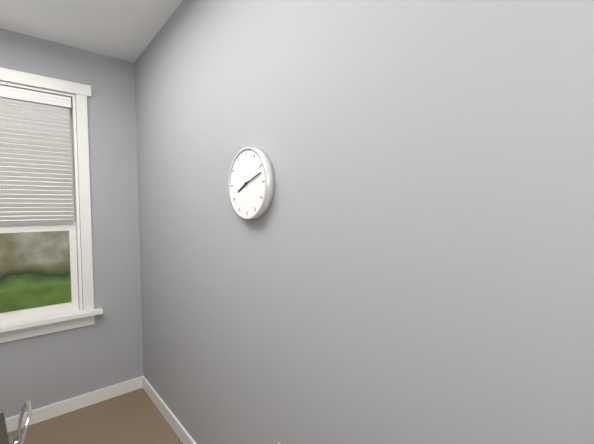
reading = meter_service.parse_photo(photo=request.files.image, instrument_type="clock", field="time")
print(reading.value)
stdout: 8:12
